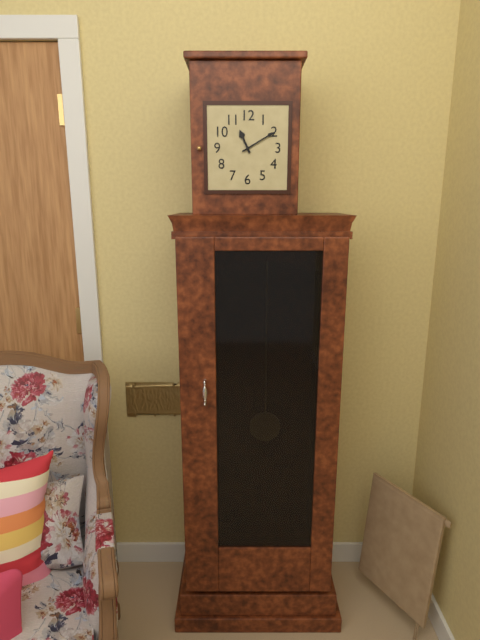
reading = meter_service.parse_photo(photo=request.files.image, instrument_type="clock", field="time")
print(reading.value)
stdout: 11:10
